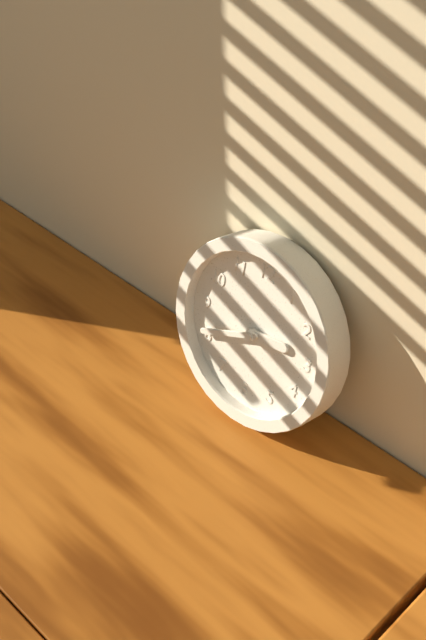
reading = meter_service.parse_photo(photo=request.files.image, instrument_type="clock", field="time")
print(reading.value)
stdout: 2:41
